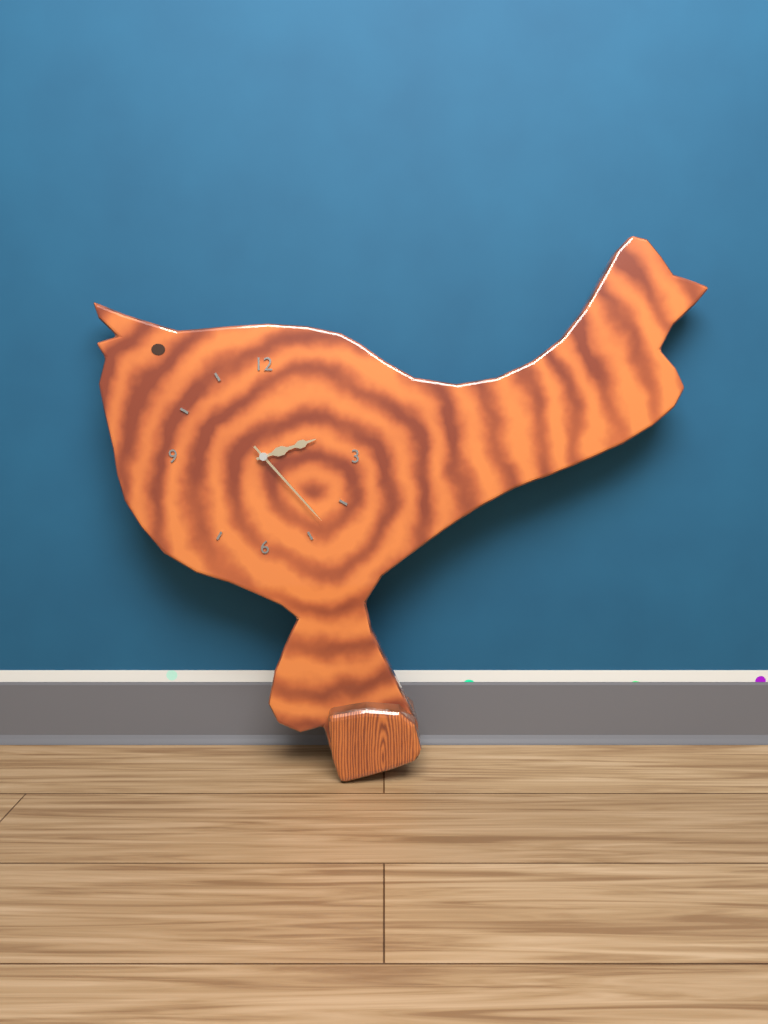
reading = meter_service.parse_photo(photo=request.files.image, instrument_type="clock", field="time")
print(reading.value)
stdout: 2:23
